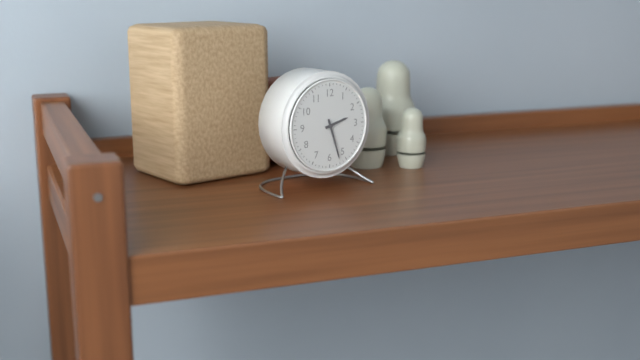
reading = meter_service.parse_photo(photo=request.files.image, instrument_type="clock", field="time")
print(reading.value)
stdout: 2:27
